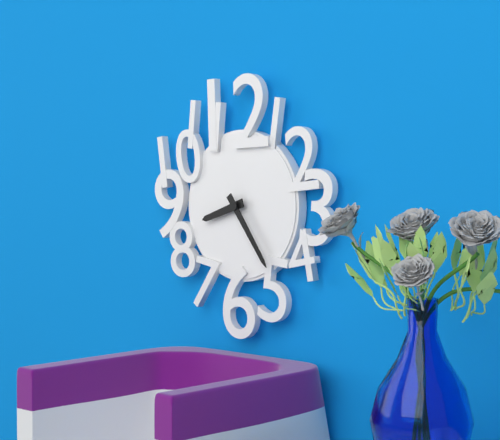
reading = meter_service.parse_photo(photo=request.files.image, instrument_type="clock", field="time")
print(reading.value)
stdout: 8:24
